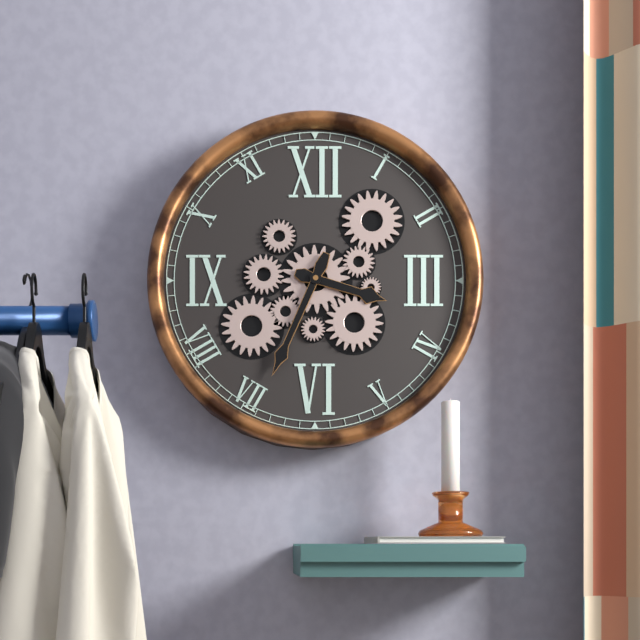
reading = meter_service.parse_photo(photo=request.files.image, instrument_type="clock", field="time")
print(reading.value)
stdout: 3:34
